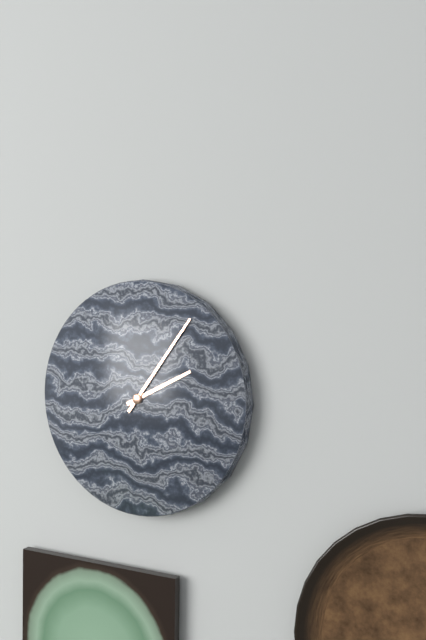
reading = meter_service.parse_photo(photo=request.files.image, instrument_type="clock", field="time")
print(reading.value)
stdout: 2:06
